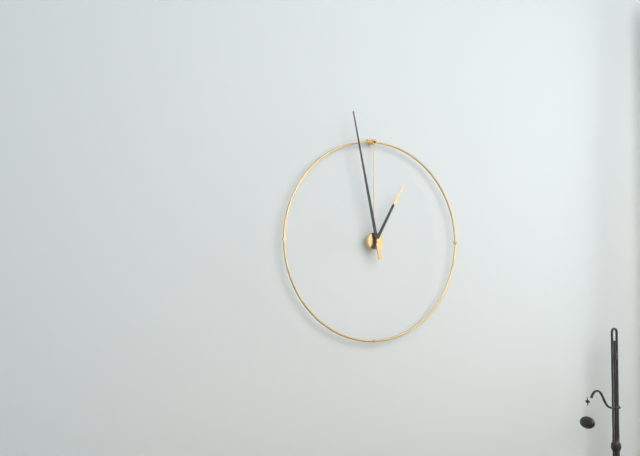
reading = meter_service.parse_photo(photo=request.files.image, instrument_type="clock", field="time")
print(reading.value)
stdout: 12:58
